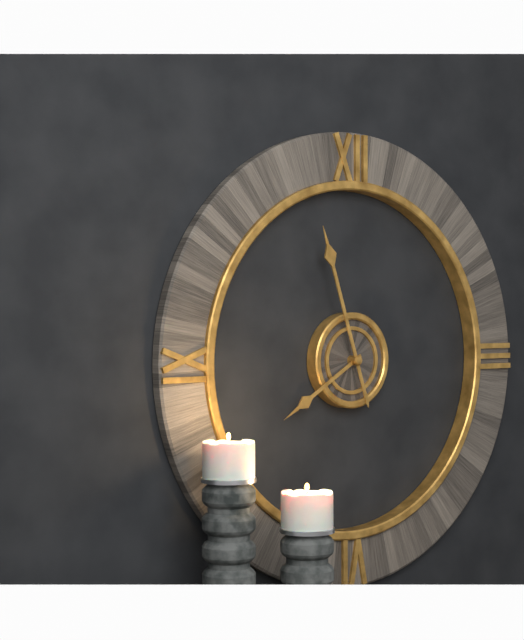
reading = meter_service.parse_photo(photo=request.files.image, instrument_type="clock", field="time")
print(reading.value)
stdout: 7:57
